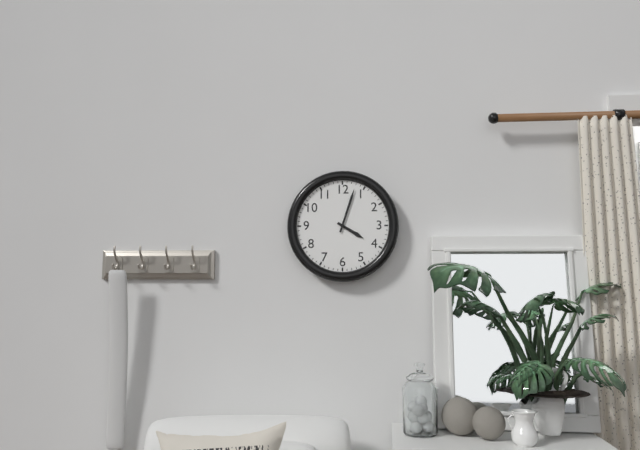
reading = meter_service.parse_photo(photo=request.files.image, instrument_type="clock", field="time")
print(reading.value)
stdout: 4:03
